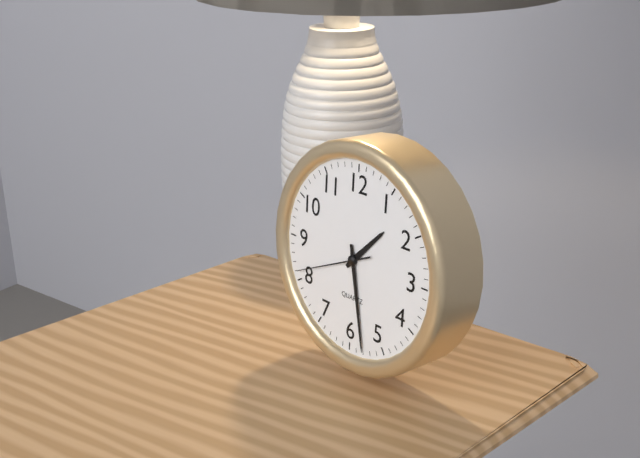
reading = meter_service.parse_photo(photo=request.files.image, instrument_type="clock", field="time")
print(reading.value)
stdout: 1:28:41
